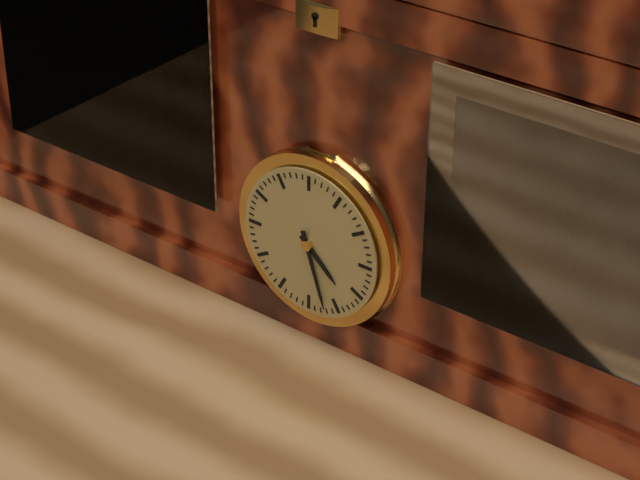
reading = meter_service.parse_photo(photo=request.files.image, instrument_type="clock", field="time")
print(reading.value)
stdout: 4:27
